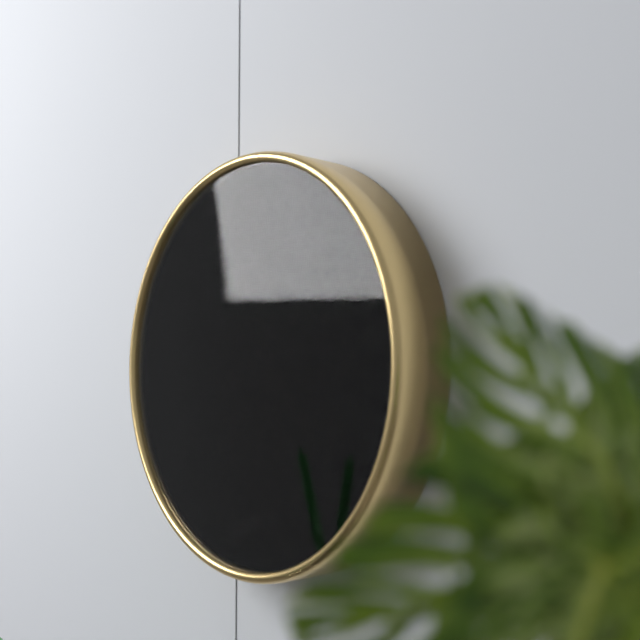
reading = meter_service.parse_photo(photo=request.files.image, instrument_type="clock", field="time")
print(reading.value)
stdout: 10:55
